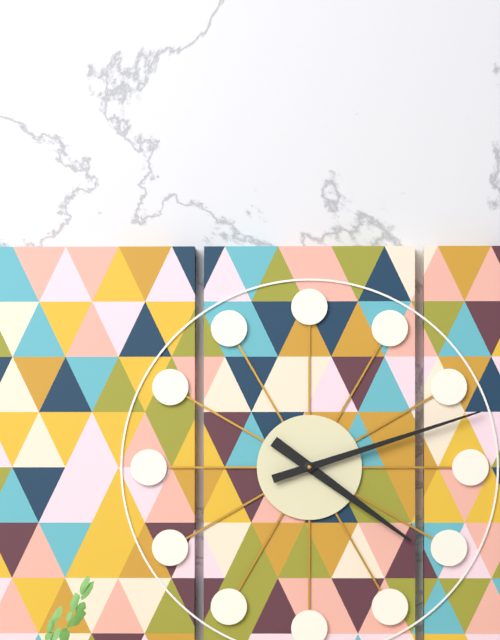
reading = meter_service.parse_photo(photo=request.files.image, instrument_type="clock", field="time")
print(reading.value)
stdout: 4:12
